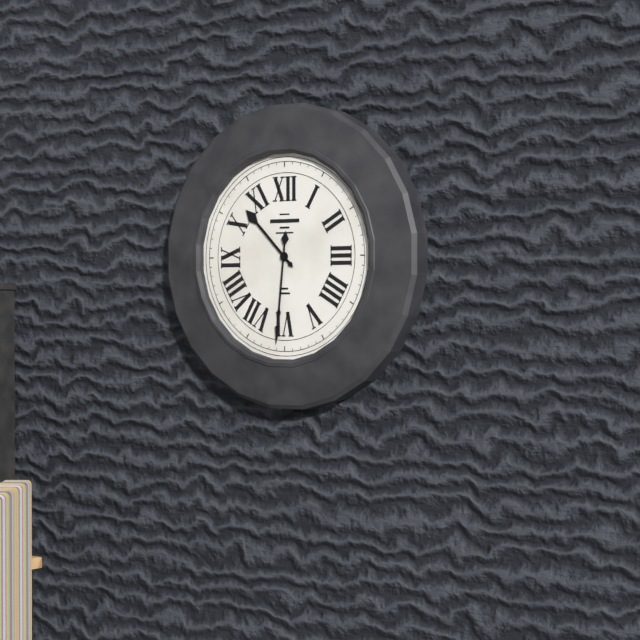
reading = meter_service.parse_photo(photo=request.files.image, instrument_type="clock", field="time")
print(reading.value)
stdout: 10:31
